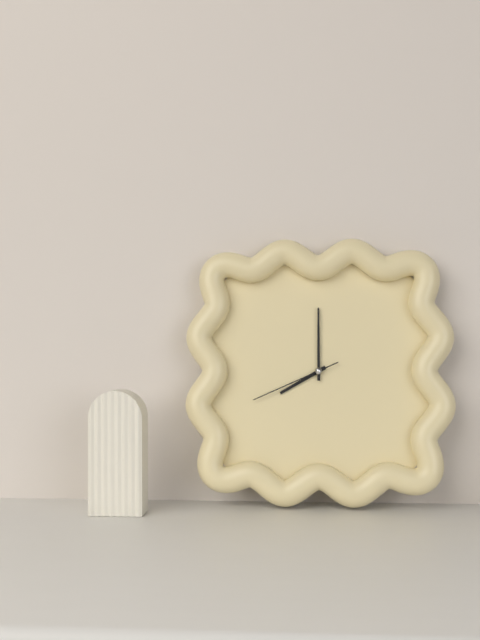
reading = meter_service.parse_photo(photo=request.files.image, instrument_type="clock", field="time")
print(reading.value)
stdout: 8:00:41
